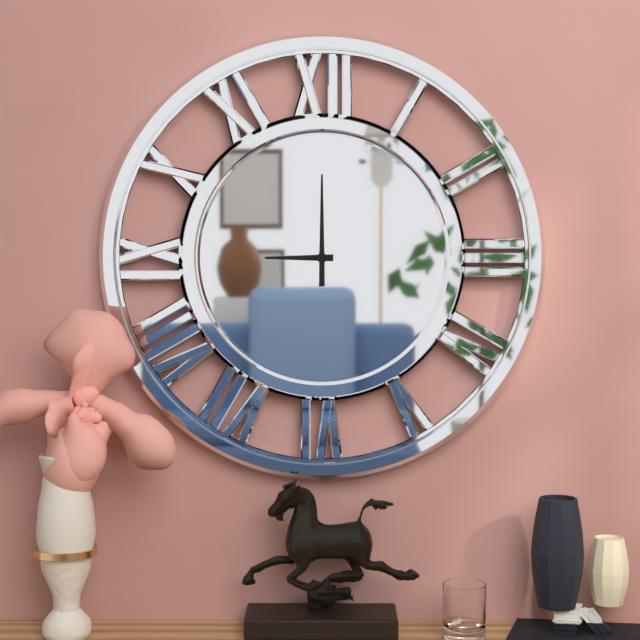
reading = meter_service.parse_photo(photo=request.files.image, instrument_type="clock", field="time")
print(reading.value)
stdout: 9:00
